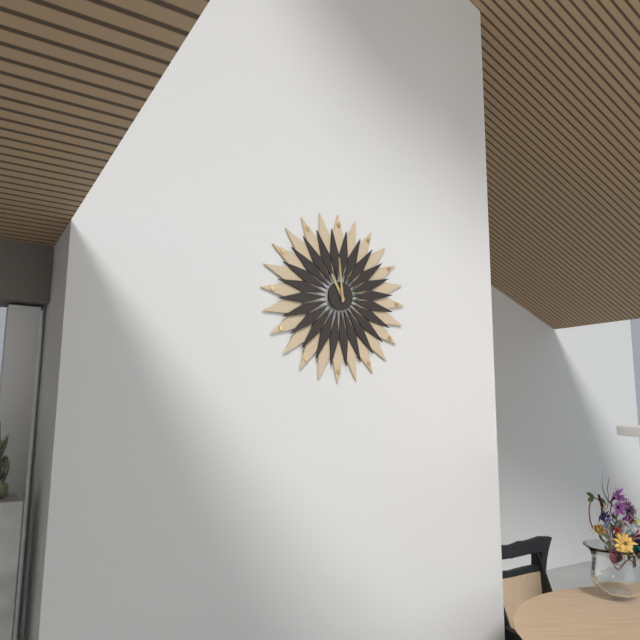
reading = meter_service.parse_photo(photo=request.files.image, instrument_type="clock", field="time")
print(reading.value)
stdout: 10:59
